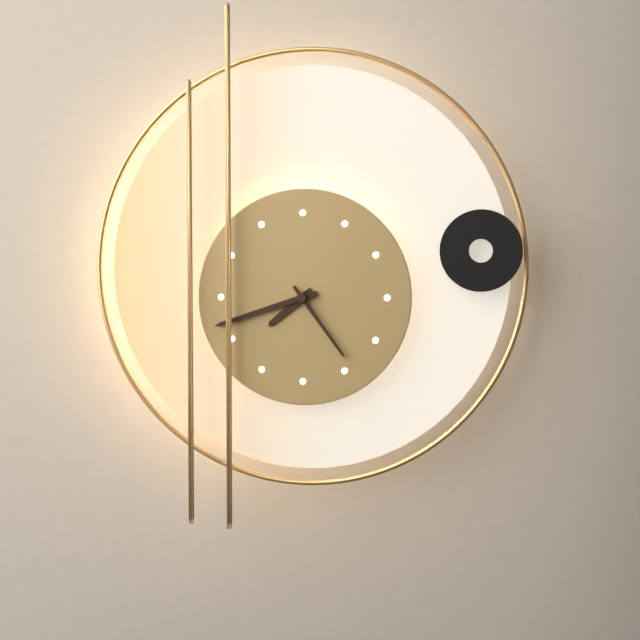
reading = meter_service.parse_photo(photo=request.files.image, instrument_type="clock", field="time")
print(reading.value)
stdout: 7:42:24
